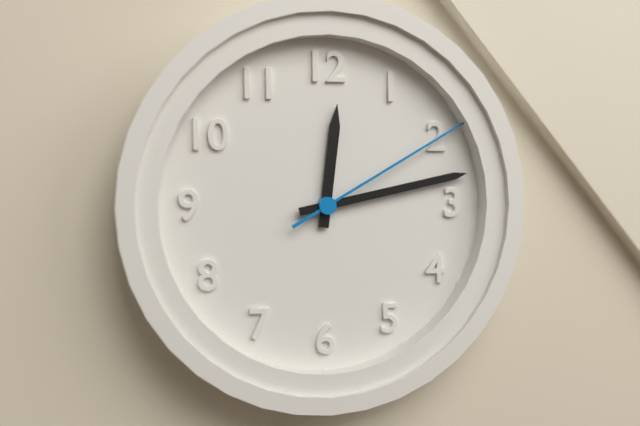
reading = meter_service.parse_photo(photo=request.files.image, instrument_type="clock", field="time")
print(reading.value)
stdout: 12:13:10
